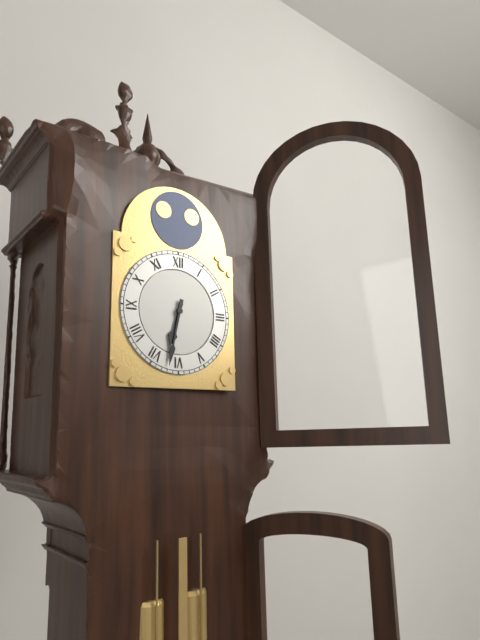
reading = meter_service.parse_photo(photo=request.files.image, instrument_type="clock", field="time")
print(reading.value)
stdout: 6:32
